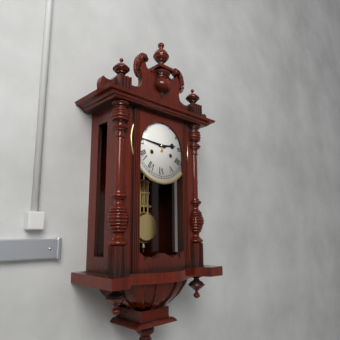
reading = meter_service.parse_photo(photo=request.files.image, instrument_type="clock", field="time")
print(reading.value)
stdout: 2:46
